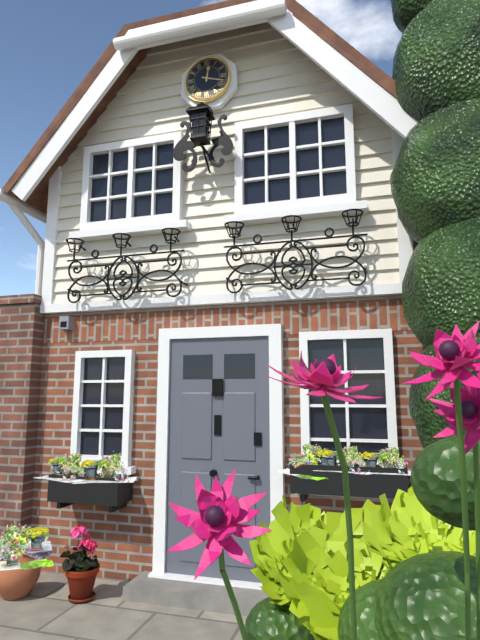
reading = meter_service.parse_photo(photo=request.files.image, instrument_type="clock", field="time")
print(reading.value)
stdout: 12:18
